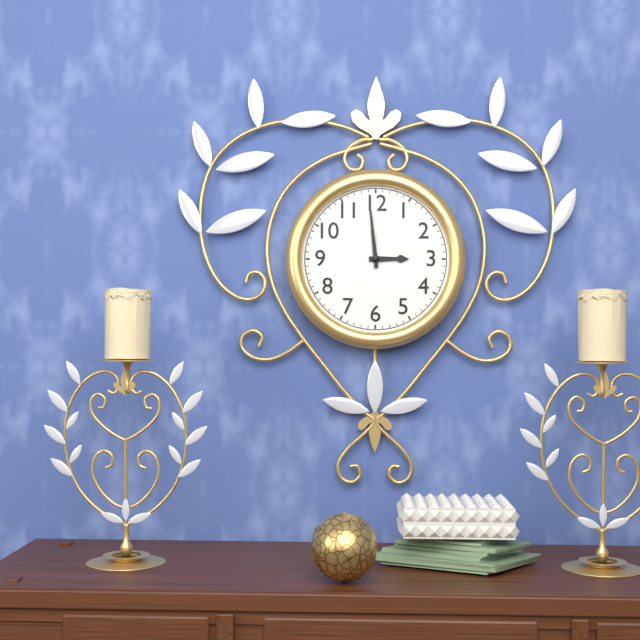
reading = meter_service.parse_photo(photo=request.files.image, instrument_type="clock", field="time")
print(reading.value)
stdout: 2:59
